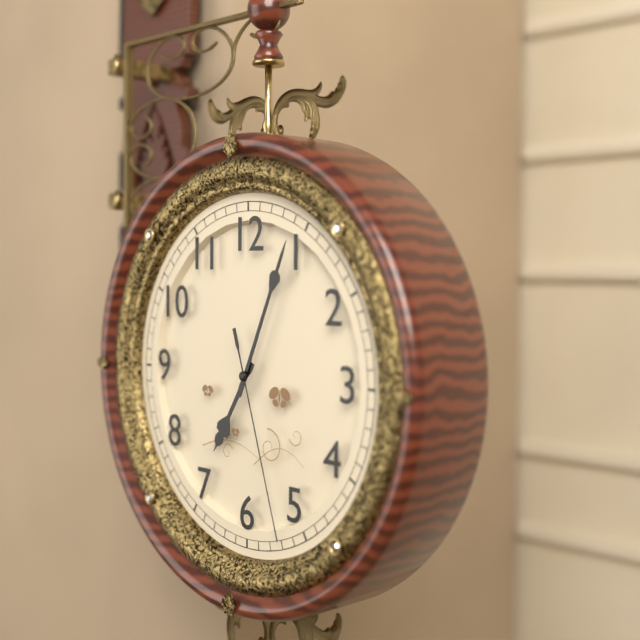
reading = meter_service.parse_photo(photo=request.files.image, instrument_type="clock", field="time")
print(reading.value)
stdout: 7:04:27
